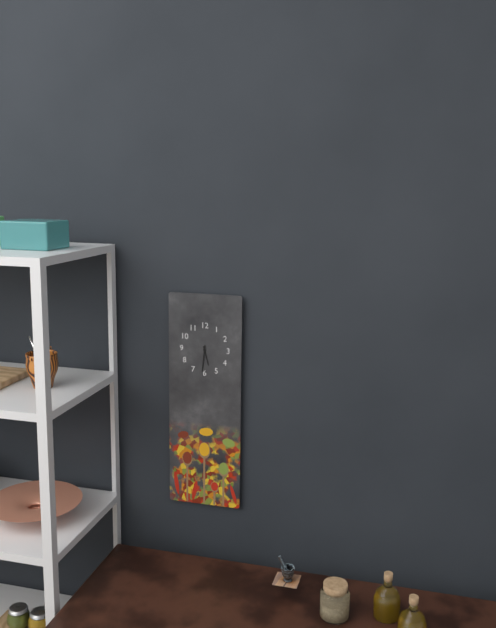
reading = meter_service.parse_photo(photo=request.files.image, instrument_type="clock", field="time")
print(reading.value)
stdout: 5:31
